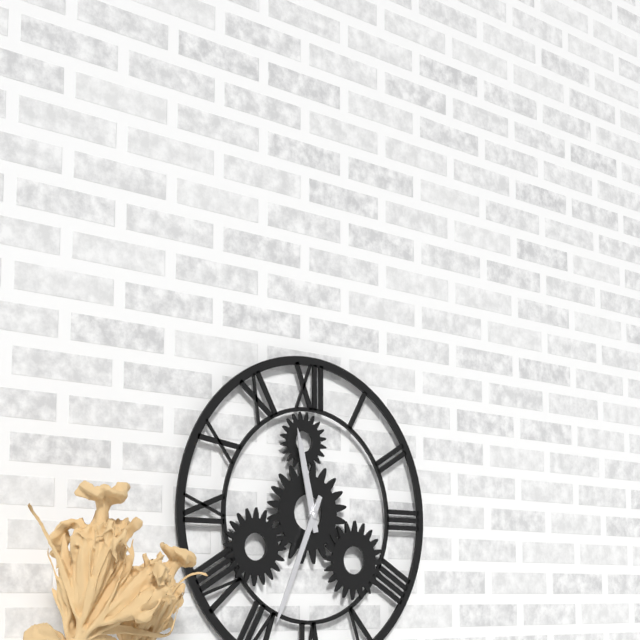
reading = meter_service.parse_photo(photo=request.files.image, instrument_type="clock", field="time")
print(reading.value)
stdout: 11:34
